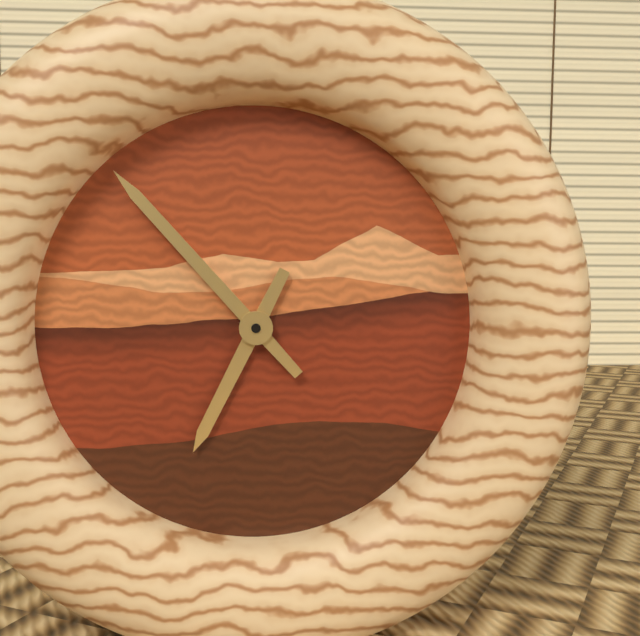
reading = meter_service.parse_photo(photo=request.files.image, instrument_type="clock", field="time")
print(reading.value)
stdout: 6:53
